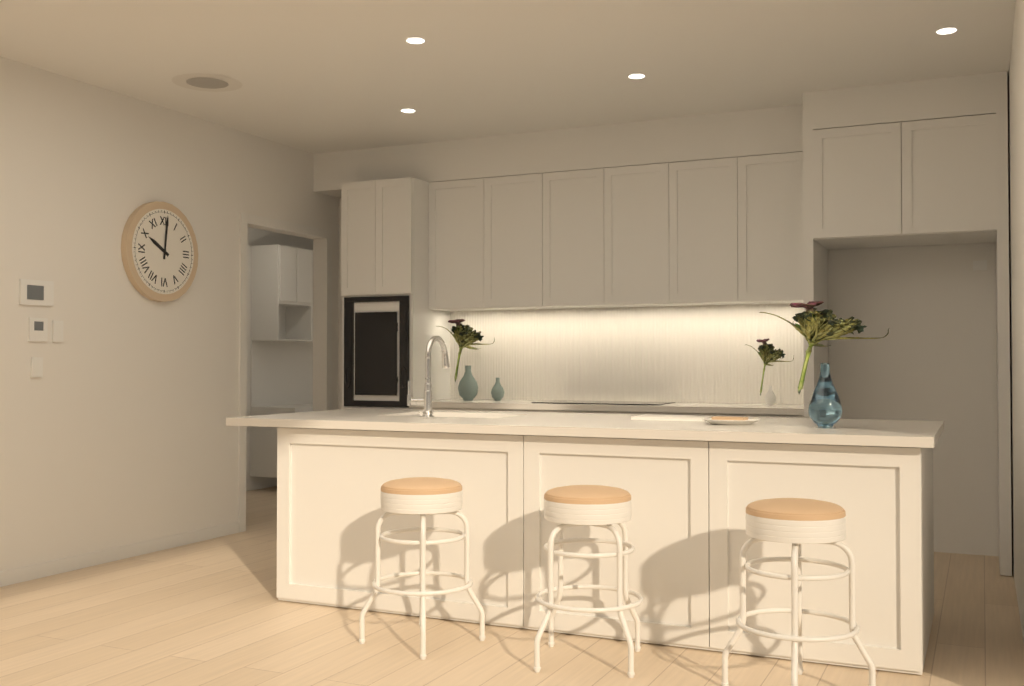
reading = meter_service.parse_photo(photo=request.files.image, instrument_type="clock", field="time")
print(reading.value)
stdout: 10:01
